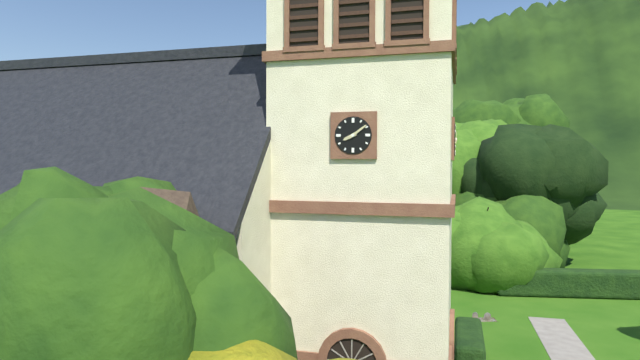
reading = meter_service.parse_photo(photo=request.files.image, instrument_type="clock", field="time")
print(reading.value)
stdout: 8:09
